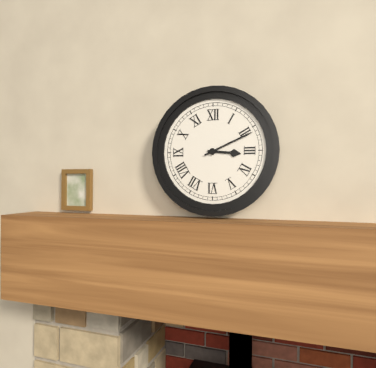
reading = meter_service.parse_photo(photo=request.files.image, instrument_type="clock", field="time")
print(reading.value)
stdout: 3:11
